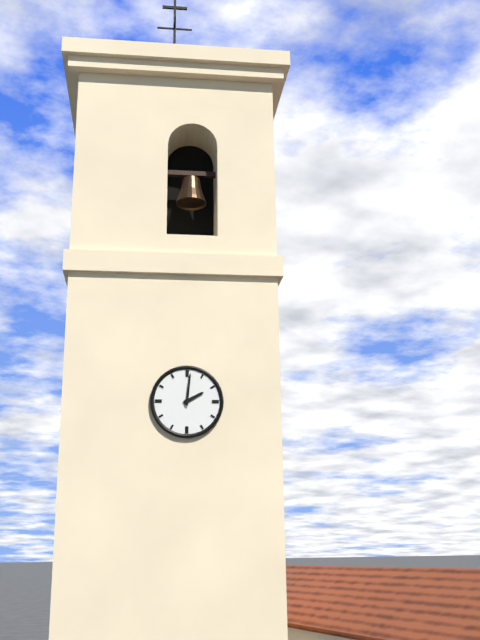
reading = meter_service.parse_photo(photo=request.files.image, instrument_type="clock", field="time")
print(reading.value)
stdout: 2:01
